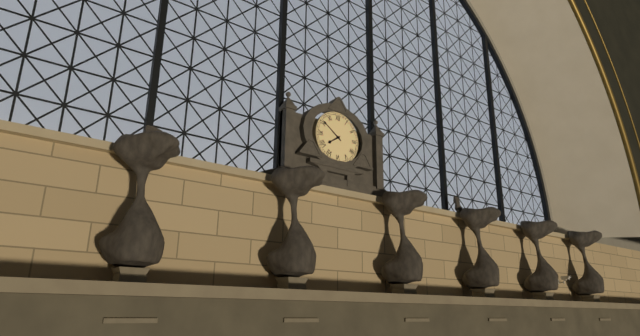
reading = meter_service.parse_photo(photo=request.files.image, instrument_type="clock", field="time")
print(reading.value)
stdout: 7:51
